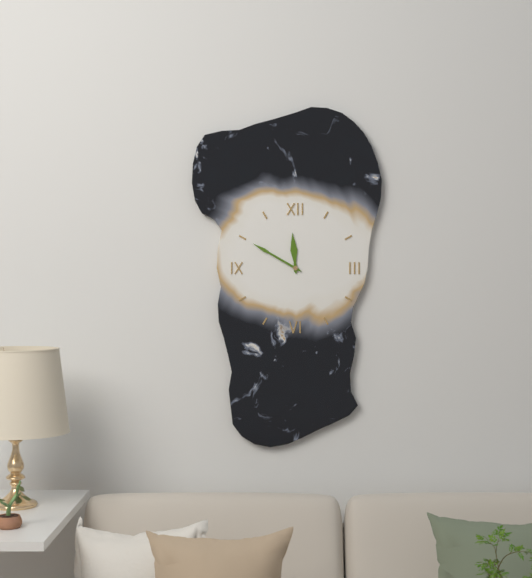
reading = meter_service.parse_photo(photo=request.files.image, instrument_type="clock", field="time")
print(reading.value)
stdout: 11:50
